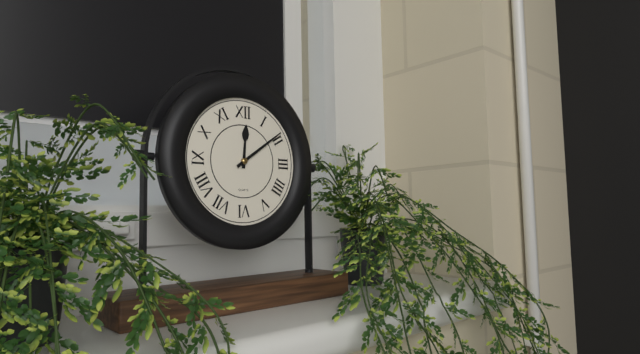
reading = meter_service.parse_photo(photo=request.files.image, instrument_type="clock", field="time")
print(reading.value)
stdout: 12:09
